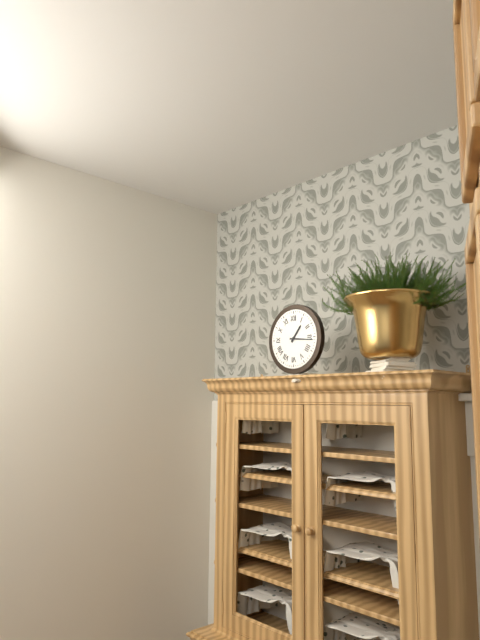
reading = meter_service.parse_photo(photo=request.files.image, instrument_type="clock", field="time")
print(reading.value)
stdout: 1:16
